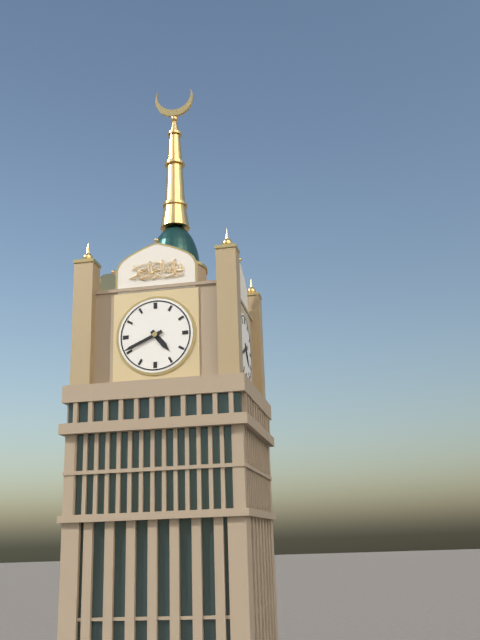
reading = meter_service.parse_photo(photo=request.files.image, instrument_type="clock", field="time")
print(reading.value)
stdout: 4:41
